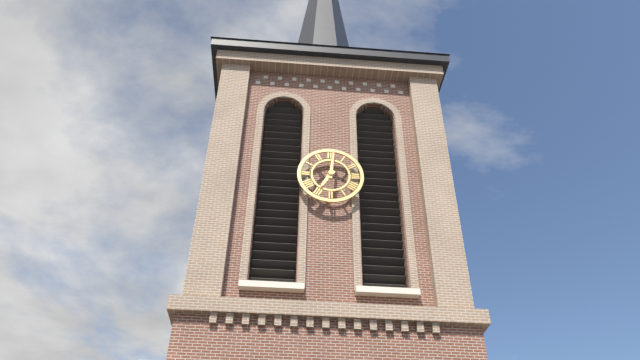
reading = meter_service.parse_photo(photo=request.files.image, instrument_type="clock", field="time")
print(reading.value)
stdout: 7:01
